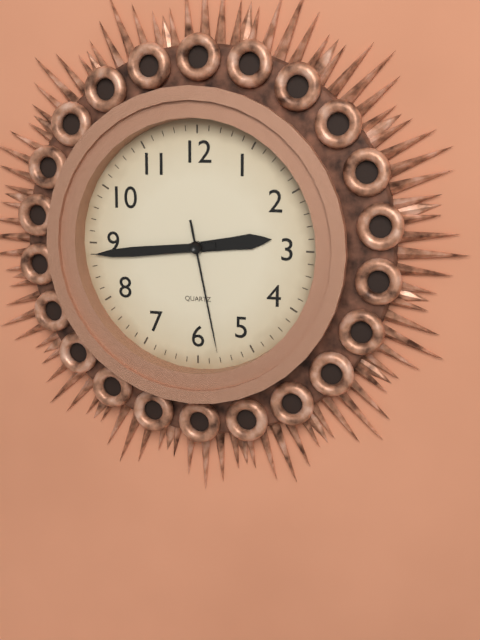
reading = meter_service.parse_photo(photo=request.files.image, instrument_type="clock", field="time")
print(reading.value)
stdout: 2:44:28
